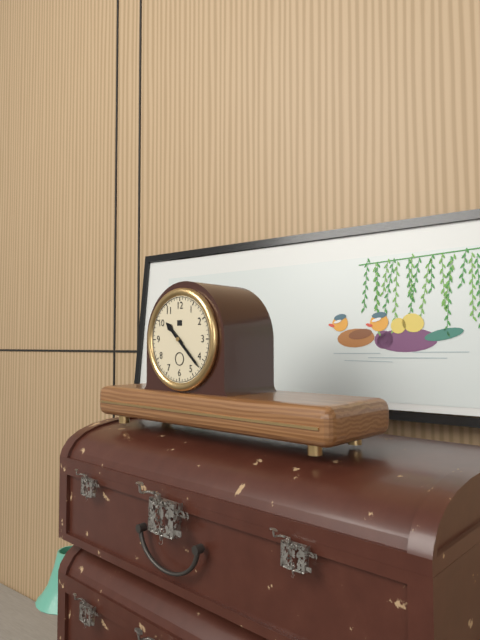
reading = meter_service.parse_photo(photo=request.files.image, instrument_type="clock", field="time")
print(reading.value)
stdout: 10:22
